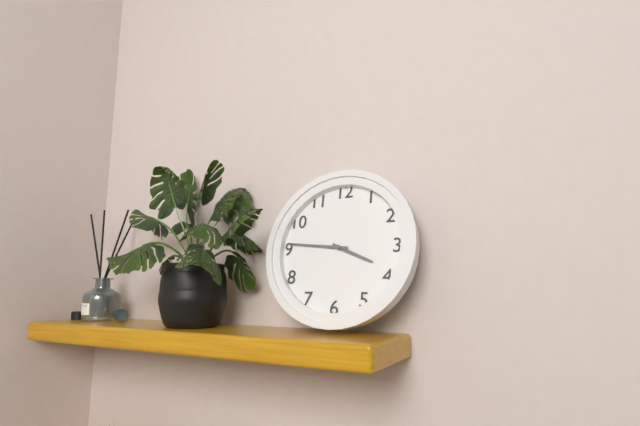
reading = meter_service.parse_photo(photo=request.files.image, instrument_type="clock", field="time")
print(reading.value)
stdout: 3:46
